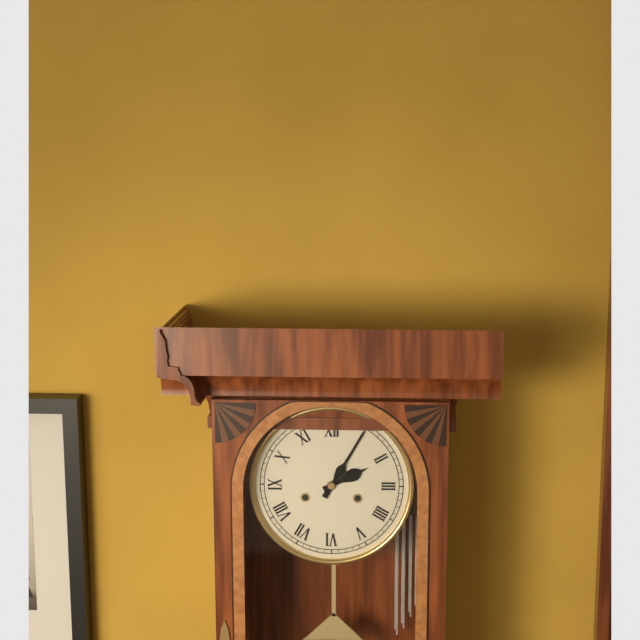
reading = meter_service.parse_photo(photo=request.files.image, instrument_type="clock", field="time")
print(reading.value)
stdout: 2:05
